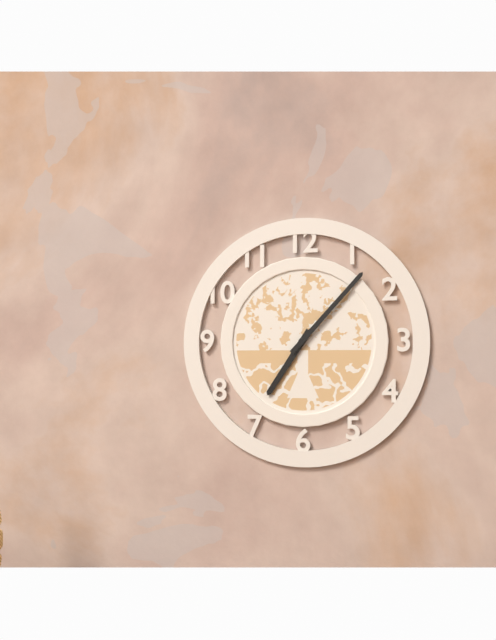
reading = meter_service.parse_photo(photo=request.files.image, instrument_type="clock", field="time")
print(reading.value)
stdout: 7:07
